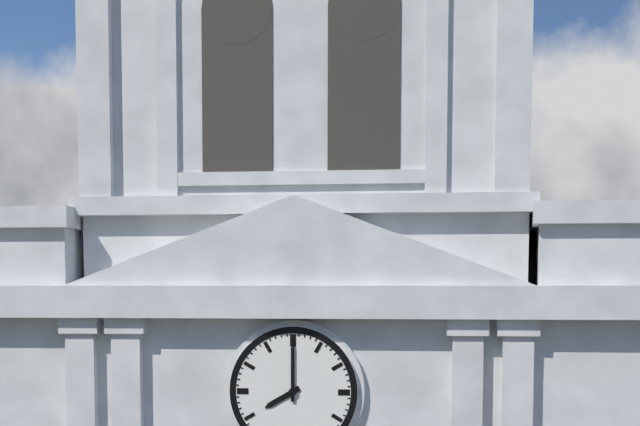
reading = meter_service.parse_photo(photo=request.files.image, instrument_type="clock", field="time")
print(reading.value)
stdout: 8:00
